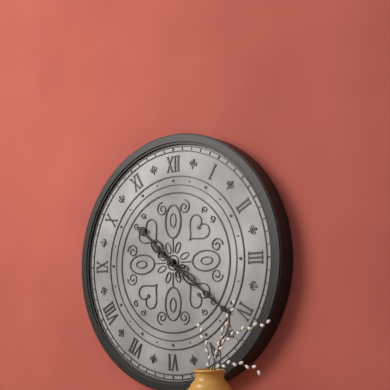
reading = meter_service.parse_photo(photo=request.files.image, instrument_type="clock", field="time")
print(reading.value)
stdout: 10:21
